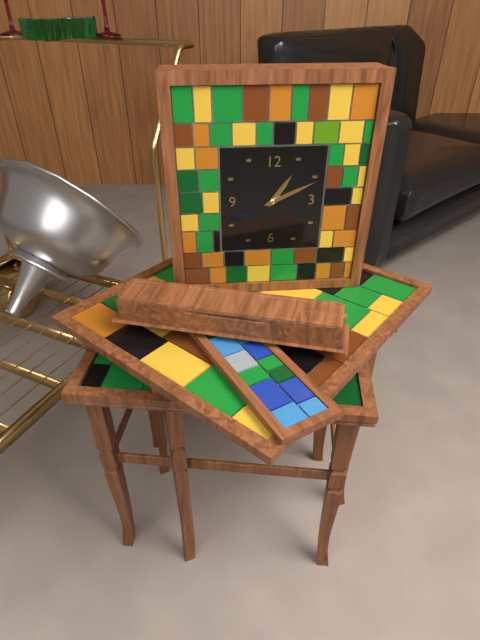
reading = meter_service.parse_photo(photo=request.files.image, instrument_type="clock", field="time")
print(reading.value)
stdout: 1:11
